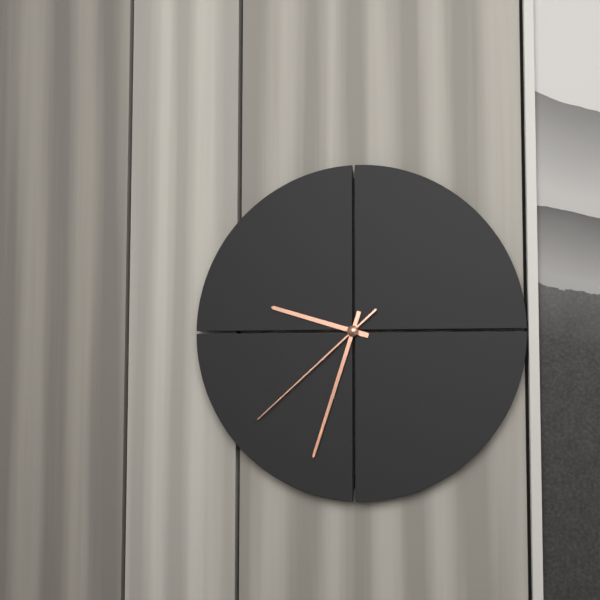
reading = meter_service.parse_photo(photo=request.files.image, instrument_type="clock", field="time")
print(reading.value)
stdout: 9:33:38
